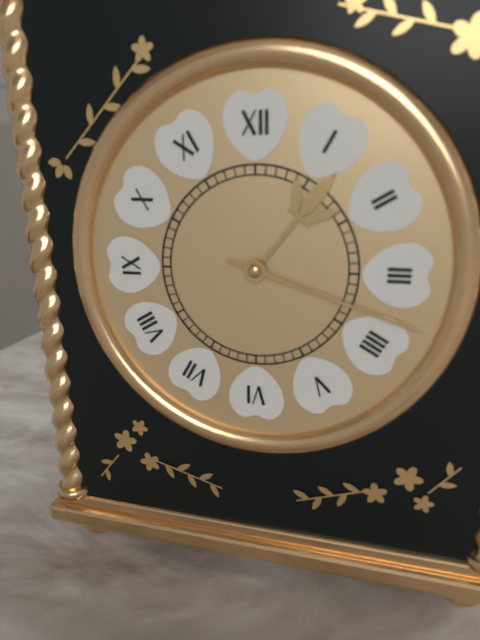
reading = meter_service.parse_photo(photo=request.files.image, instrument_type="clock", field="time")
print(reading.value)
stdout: 1:18
